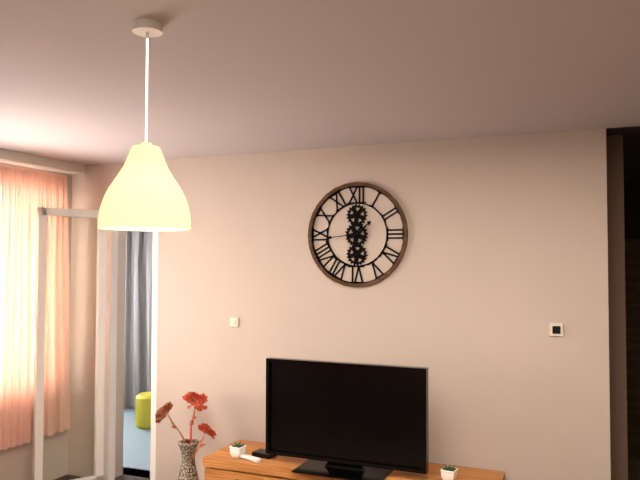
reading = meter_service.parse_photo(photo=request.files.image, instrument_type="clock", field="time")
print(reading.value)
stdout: 1:44
